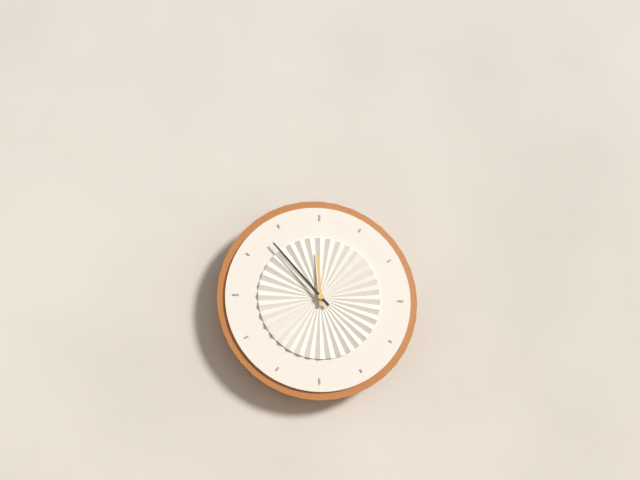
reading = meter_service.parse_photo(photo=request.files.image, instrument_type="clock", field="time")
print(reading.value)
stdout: 11:53
